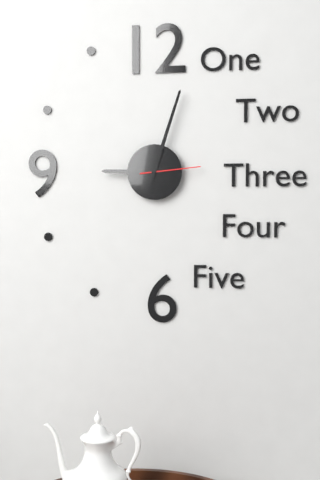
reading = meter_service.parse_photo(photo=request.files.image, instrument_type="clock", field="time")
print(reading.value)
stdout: 9:03:14
